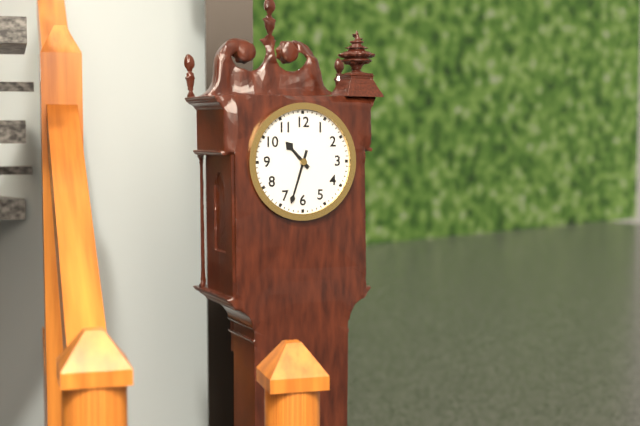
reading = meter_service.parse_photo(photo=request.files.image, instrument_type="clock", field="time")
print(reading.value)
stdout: 10:33
